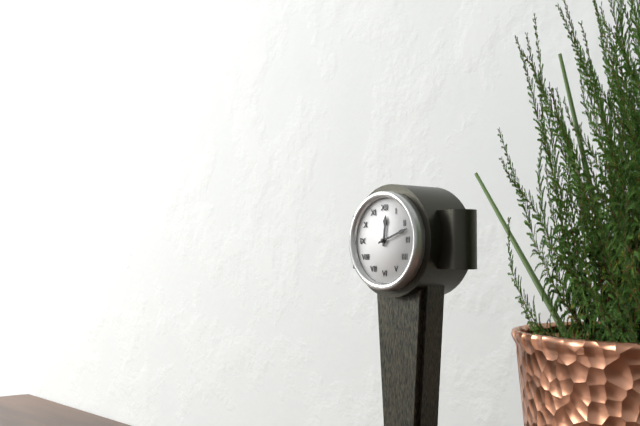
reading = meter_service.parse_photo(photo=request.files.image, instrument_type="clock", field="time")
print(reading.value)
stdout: 12:12
